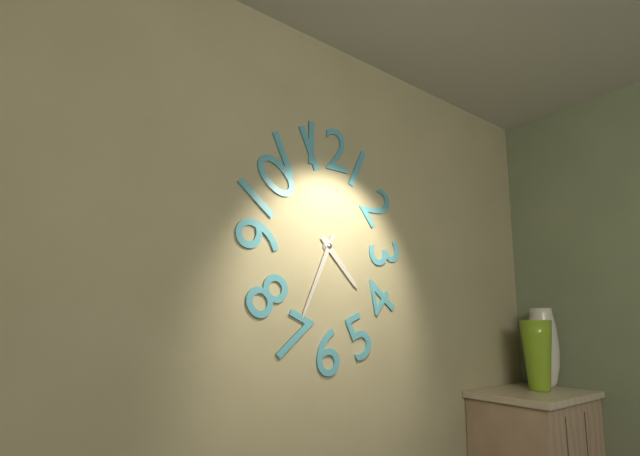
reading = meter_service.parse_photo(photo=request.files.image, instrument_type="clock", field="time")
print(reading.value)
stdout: 4:34
